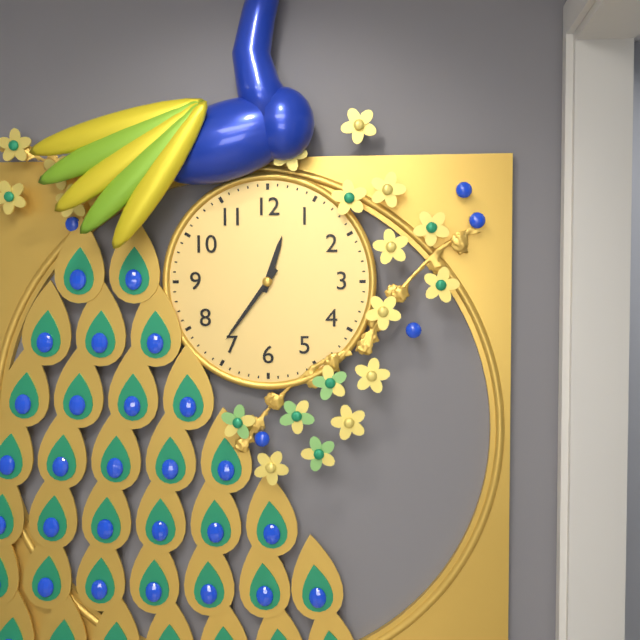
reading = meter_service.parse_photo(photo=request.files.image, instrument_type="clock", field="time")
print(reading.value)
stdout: 12:36
